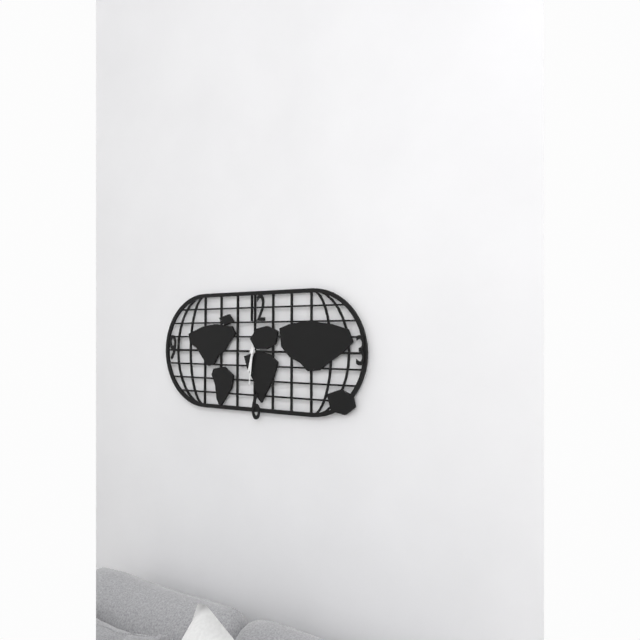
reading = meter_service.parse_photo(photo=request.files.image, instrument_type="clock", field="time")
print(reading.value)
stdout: 6:31
